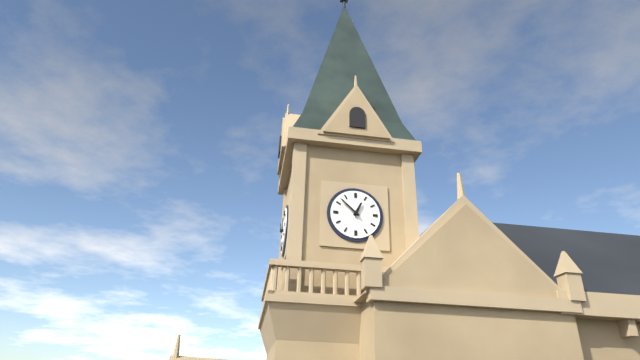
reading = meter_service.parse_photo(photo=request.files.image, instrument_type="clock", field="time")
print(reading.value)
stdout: 12:52
